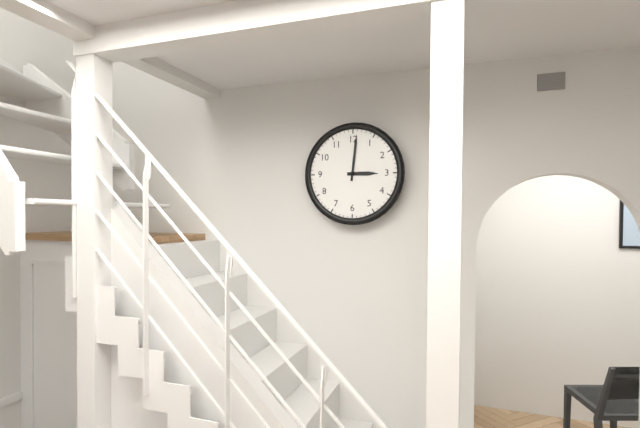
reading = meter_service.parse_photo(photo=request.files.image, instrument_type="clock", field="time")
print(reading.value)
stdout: 3:01
